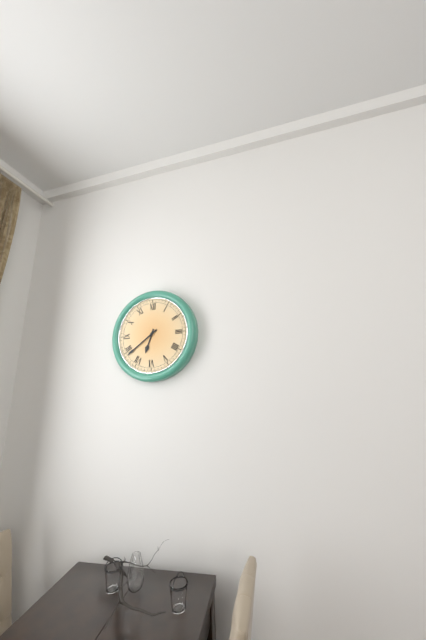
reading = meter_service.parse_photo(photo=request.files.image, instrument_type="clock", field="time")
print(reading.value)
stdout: 6:39
